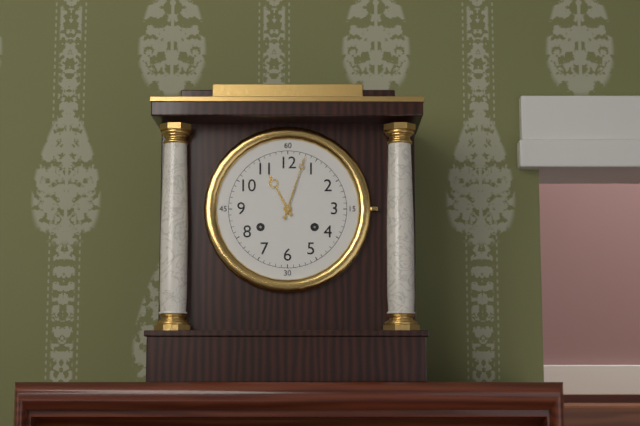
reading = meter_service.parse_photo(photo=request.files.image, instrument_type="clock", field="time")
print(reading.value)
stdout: 11:03
